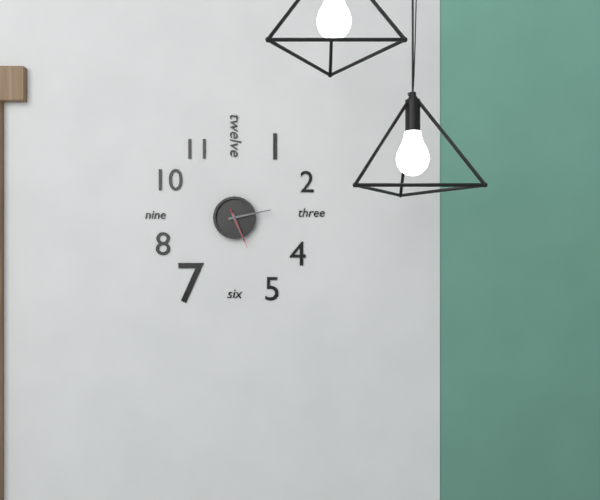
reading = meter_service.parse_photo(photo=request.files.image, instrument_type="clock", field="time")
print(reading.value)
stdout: 5:13
